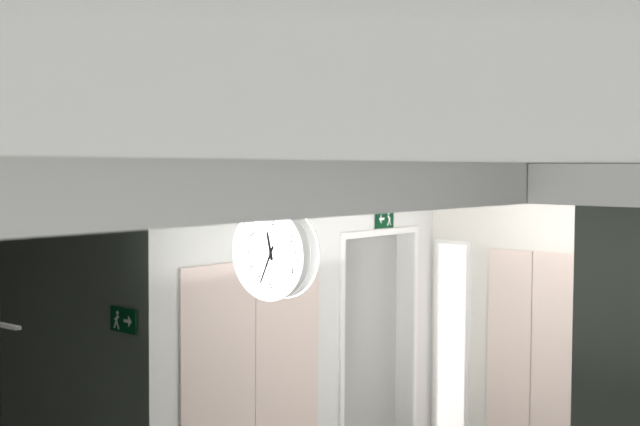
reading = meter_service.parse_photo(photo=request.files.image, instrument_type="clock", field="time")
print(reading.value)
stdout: 11:34
